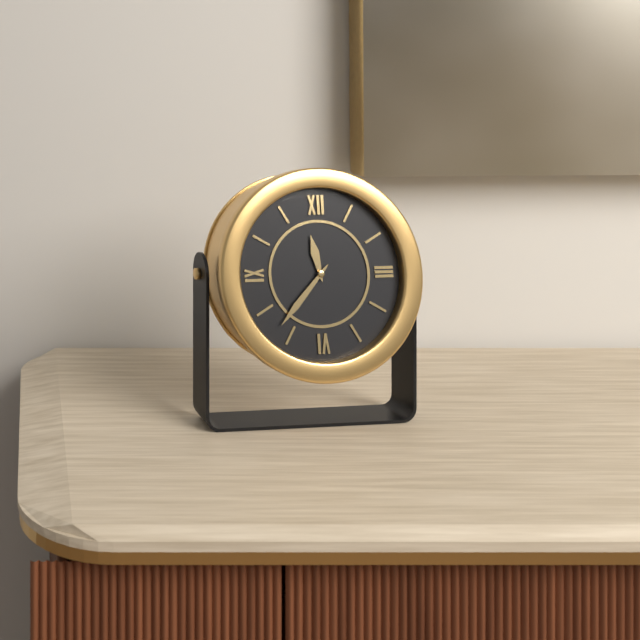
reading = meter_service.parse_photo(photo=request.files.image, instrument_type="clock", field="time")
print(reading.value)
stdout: 11:37
